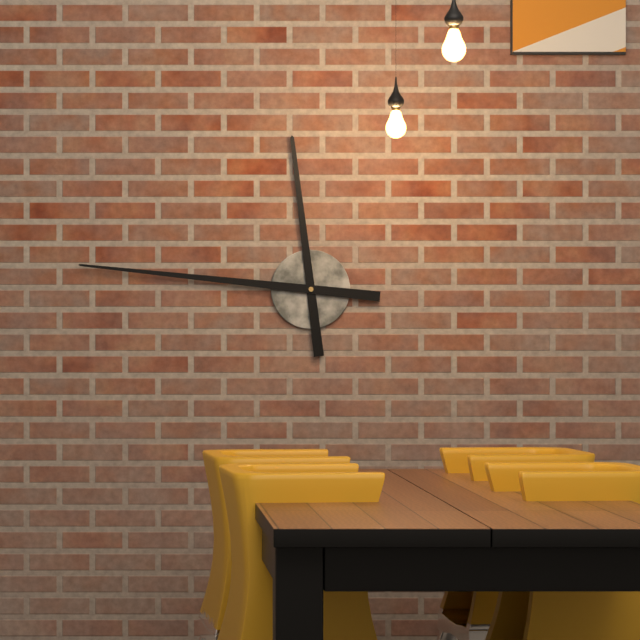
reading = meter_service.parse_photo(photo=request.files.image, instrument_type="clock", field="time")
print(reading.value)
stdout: 11:46
